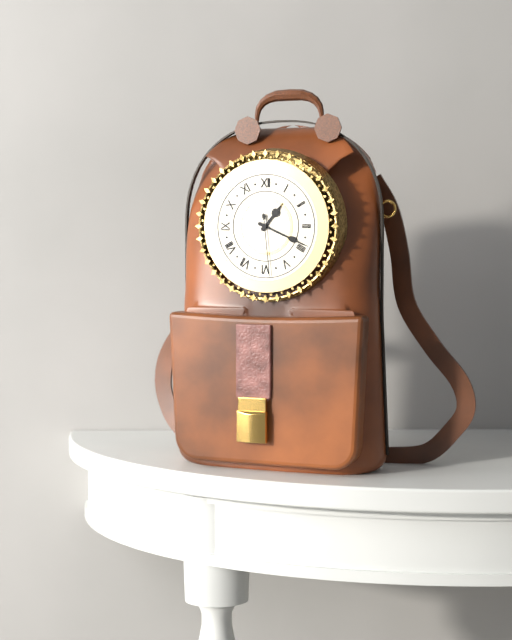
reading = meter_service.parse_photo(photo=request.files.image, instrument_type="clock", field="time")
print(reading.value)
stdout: 1:19:29
